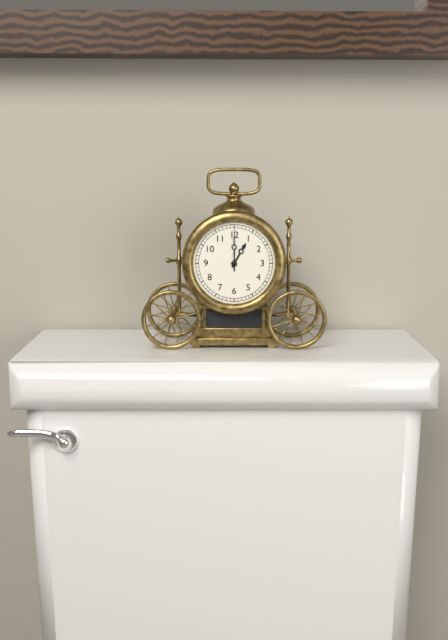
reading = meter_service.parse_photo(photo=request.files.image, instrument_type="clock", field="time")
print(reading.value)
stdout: 1:00
